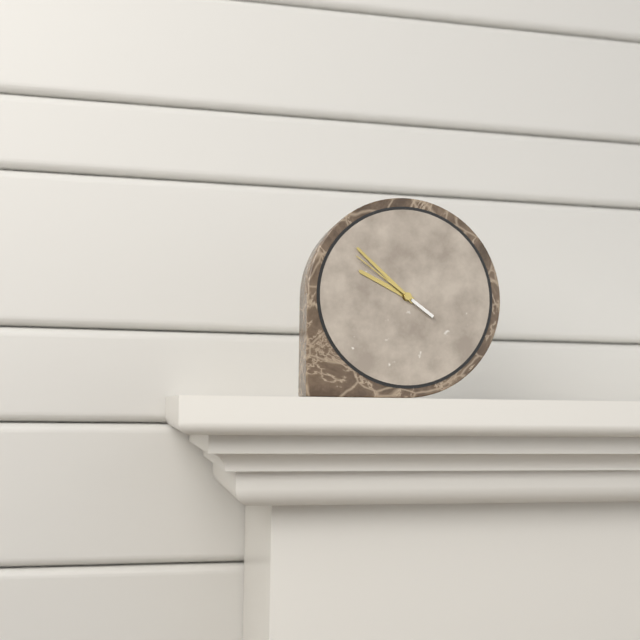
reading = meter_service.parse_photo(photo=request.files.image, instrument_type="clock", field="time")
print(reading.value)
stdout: 9:52:51
